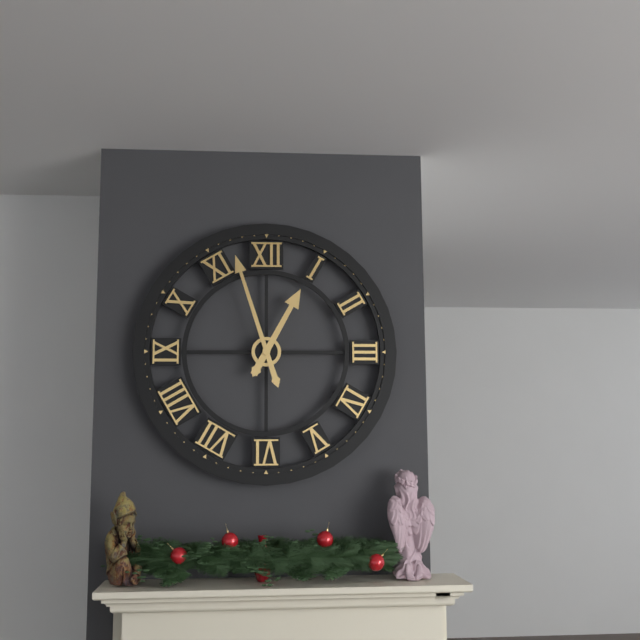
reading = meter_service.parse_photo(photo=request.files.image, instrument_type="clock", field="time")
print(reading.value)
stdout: 12:57
